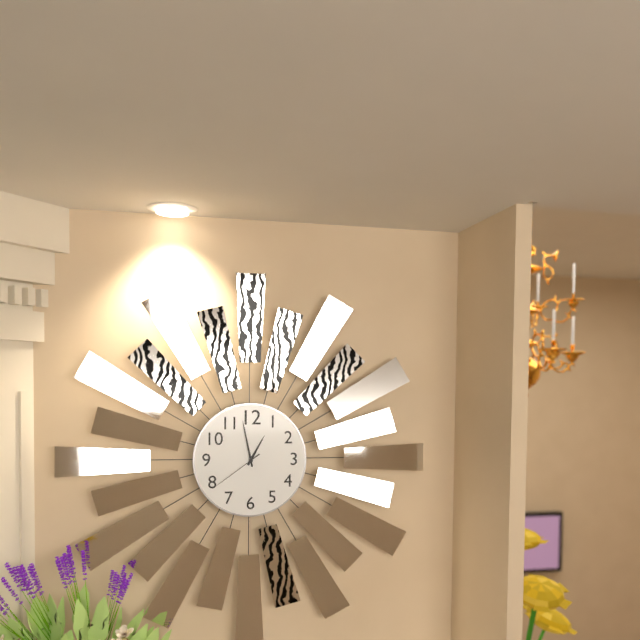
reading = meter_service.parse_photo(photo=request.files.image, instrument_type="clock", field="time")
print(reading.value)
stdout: 12:58:39
